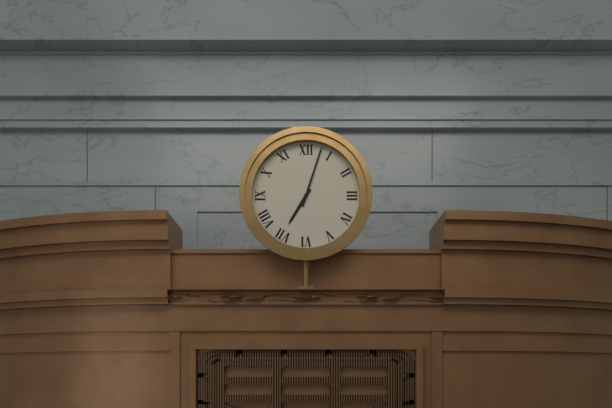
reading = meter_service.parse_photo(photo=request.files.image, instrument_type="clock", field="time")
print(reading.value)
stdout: 7:03
